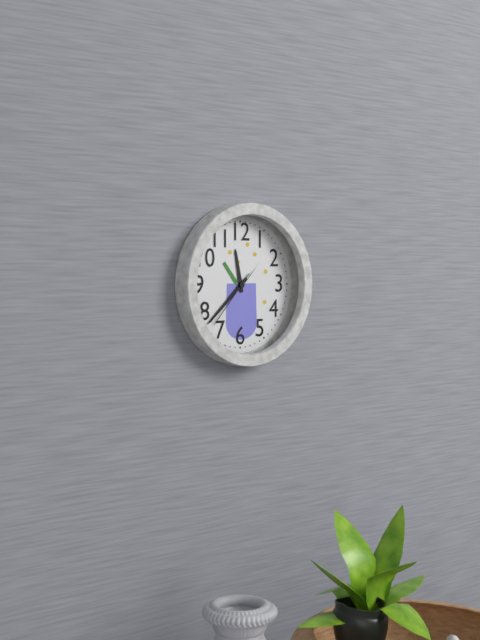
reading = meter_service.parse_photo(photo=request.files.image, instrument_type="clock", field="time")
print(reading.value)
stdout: 11:38:37
